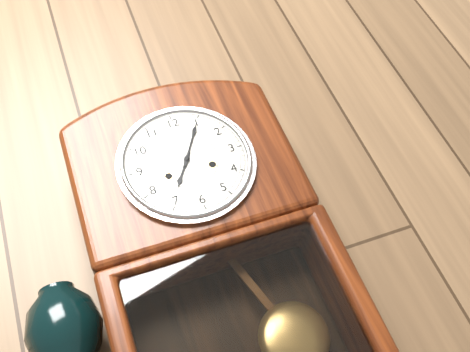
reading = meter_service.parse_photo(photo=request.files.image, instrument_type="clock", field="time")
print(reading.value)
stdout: 7:05
